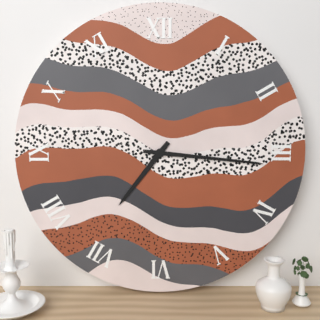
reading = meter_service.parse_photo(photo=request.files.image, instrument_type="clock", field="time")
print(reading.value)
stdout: 7:16
